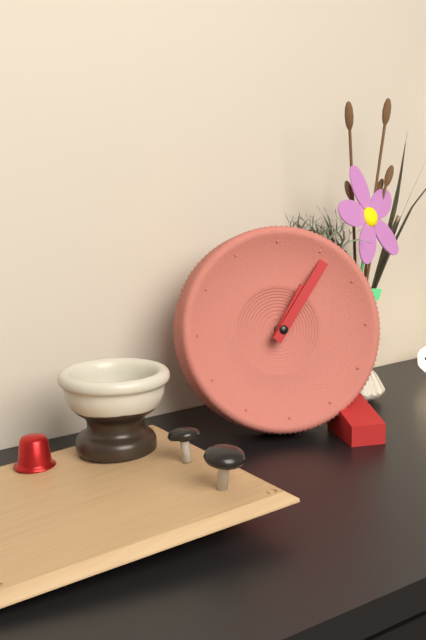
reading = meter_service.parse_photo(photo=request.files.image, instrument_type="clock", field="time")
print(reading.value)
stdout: 1:06
